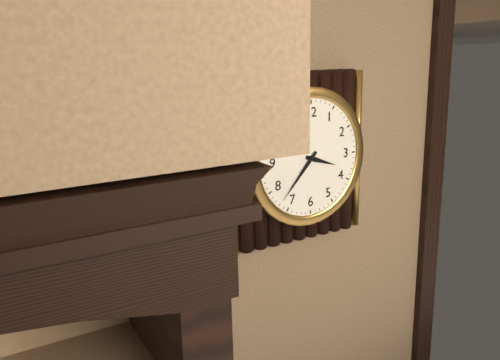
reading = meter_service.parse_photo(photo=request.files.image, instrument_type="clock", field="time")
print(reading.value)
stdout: 3:37
